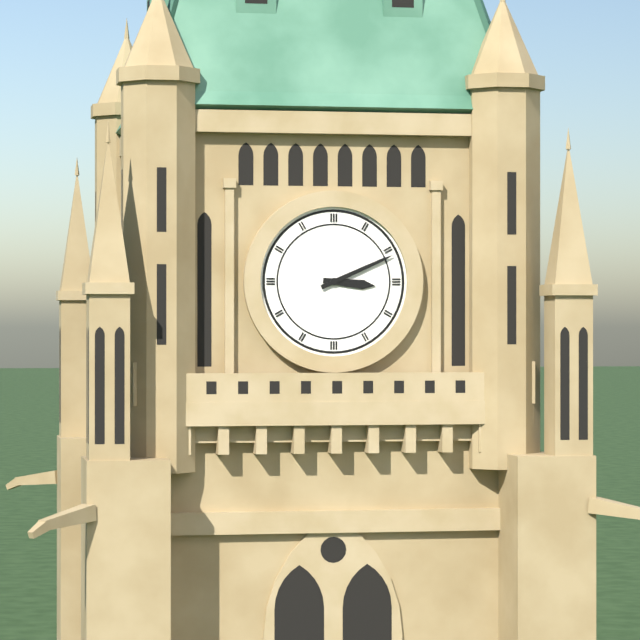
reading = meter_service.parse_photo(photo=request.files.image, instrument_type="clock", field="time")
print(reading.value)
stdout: 3:11
